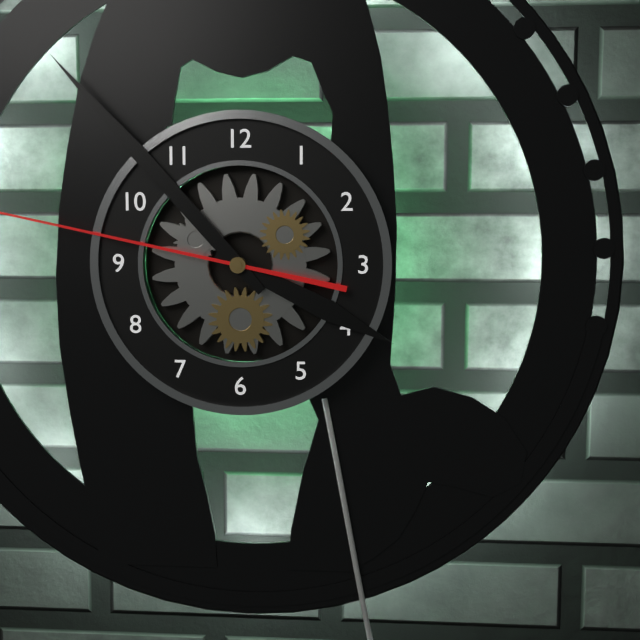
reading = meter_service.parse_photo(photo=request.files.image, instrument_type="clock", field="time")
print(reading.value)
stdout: 3:53
